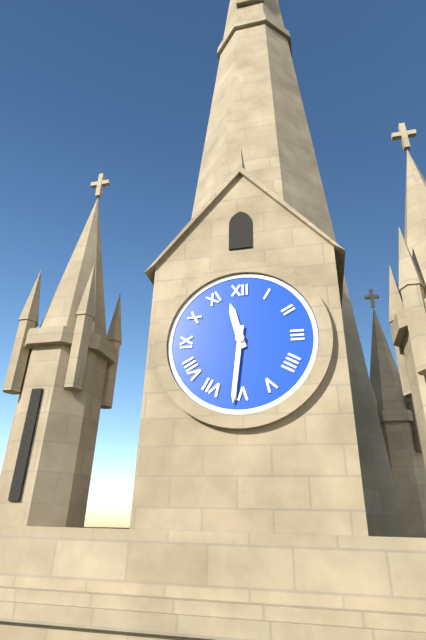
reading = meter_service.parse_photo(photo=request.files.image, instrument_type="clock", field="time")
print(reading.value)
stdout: 11:31
